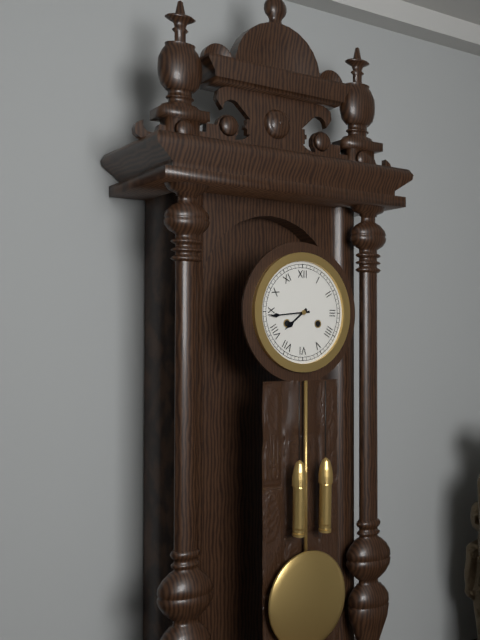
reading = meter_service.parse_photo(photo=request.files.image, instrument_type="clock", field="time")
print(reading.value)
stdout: 7:44
